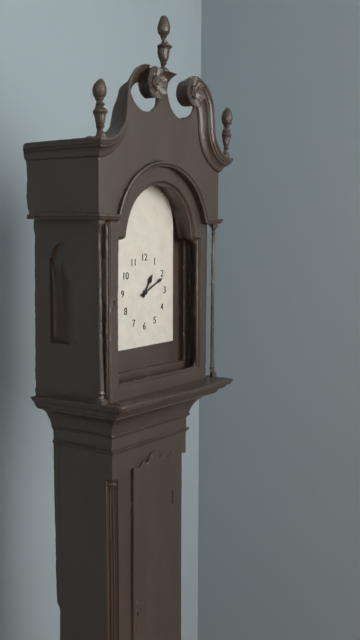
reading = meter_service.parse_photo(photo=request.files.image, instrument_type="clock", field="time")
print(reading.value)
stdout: 1:11
